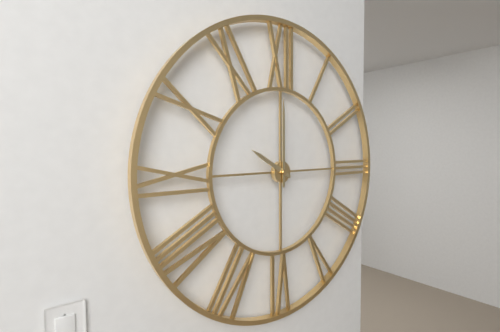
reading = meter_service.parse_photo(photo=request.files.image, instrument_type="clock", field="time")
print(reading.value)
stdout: 10:00
